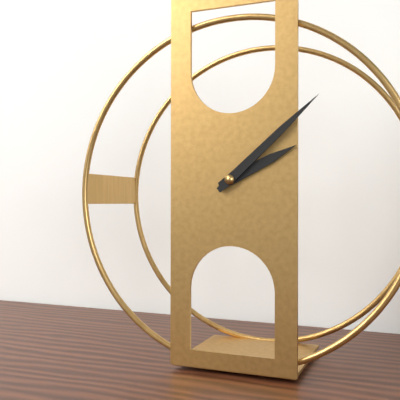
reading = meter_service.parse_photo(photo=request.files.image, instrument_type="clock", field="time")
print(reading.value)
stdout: 2:08
